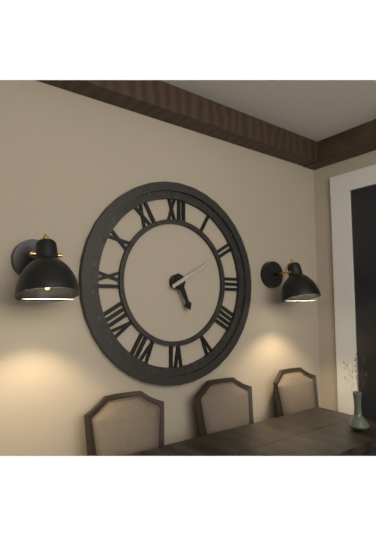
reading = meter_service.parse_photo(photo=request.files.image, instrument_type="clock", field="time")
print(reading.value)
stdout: 5:10
